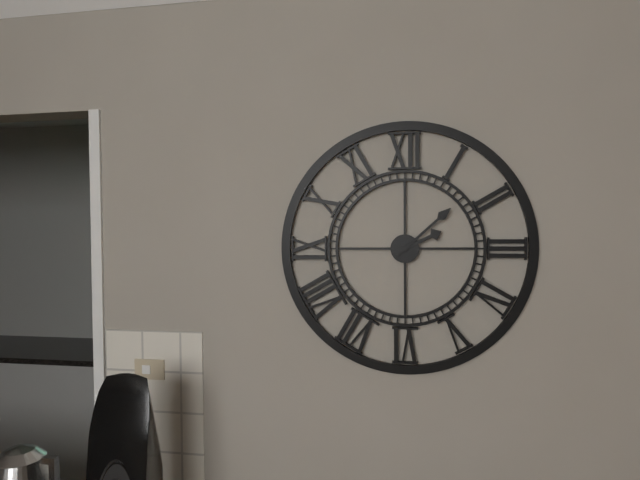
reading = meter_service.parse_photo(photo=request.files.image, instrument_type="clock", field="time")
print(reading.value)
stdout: 2:08
